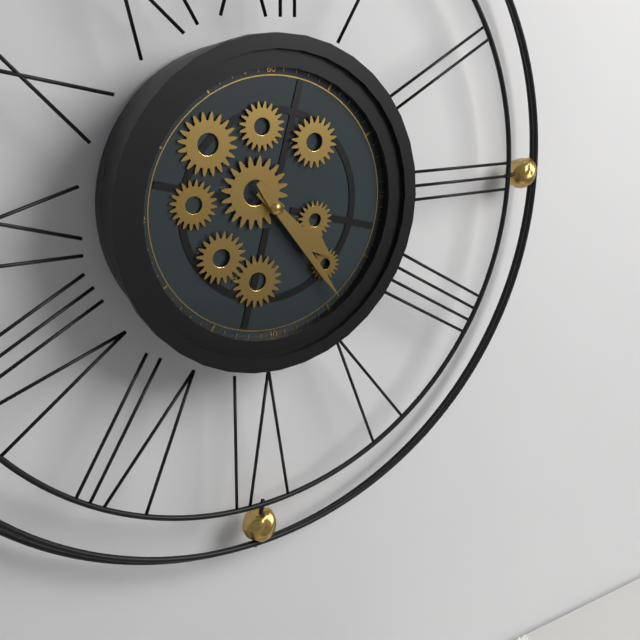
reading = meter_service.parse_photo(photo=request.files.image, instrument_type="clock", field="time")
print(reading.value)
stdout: 4:24
